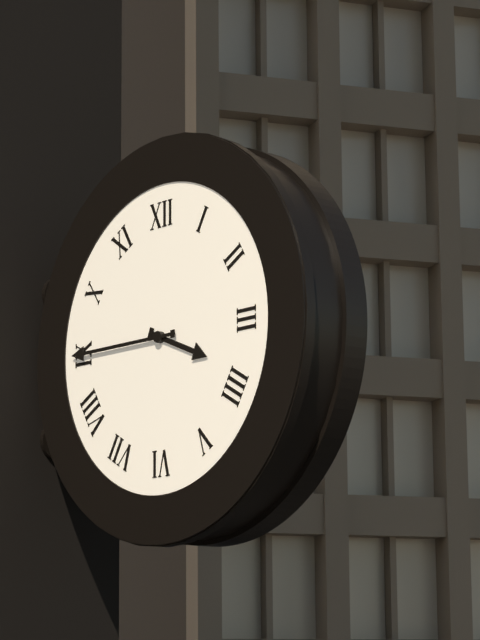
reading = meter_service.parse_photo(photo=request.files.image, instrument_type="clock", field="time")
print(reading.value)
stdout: 3:45
